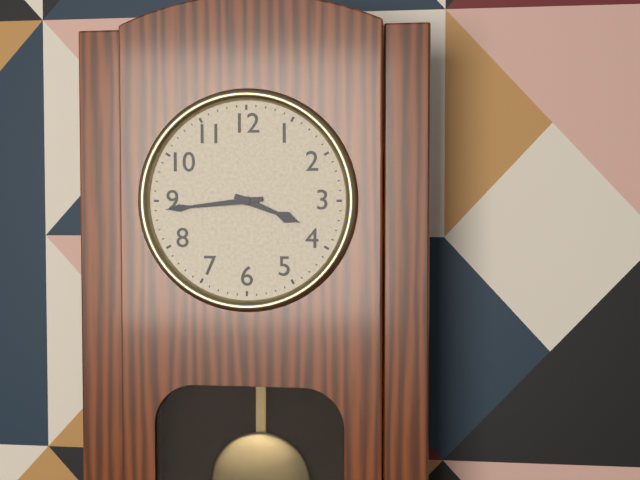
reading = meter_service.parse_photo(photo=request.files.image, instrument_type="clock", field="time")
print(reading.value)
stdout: 3:44
